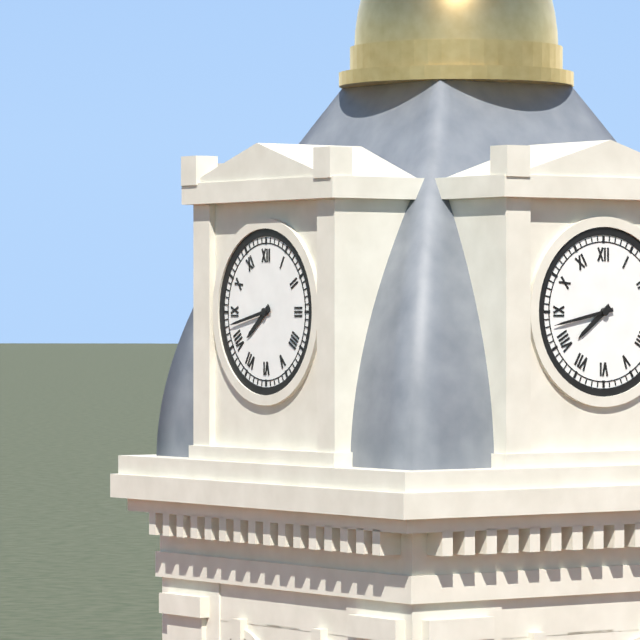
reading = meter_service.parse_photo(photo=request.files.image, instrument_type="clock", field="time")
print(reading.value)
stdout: 7:43
